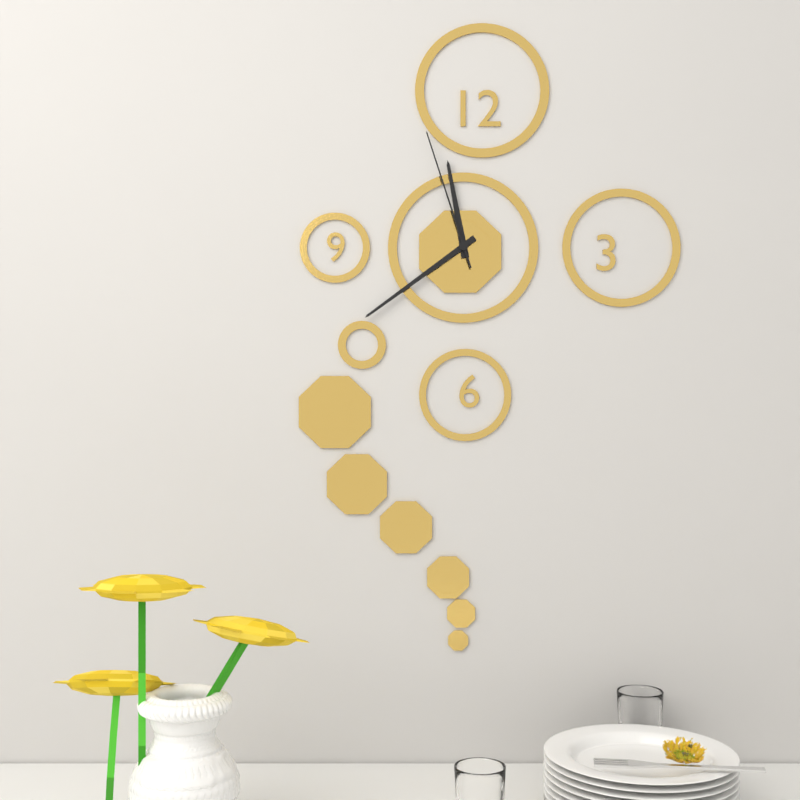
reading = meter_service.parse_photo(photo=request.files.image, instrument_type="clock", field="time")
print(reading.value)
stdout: 11:39:57
